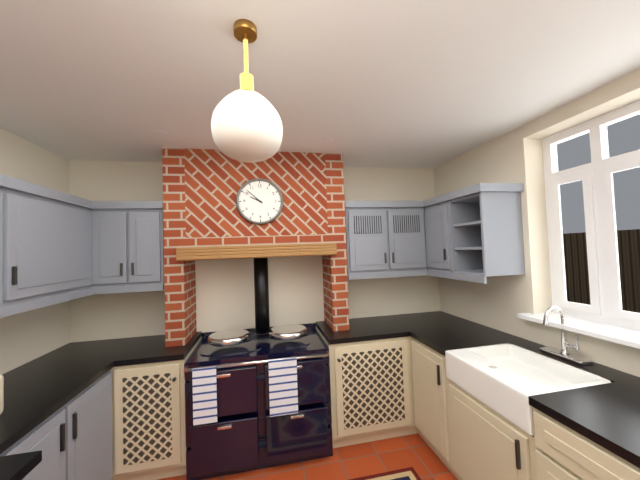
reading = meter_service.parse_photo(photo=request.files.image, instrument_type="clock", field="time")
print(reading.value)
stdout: 9:52
